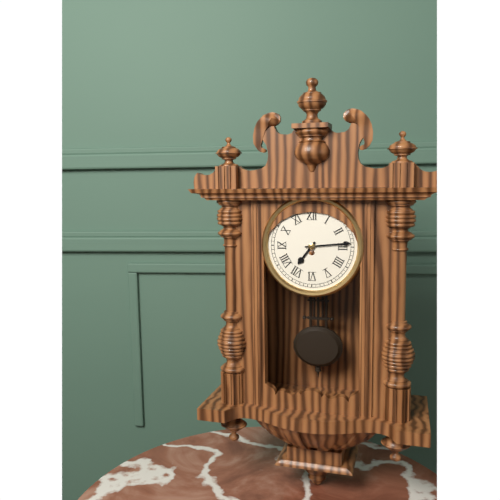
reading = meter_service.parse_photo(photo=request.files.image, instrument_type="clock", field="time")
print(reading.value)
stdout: 7:14
